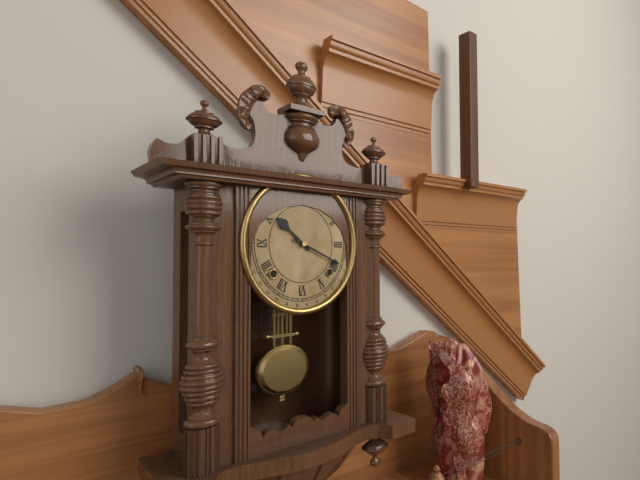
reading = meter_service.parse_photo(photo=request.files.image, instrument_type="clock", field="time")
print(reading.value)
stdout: 10:19
